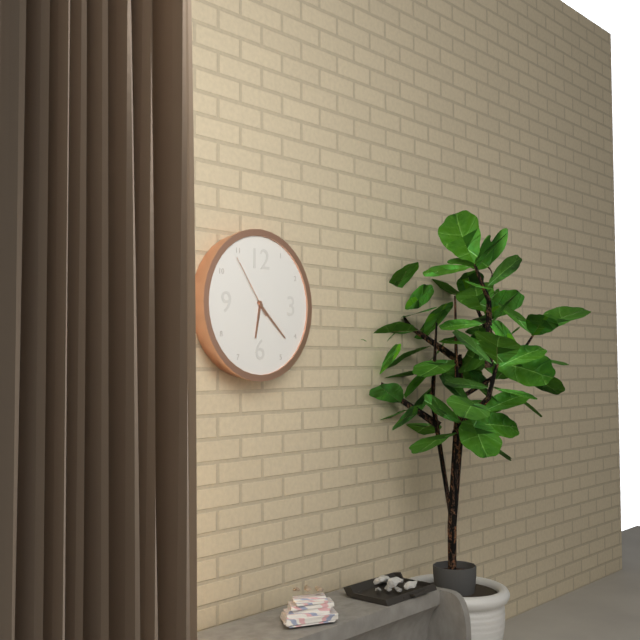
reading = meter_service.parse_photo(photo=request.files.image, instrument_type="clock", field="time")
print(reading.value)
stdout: 6:22:54
